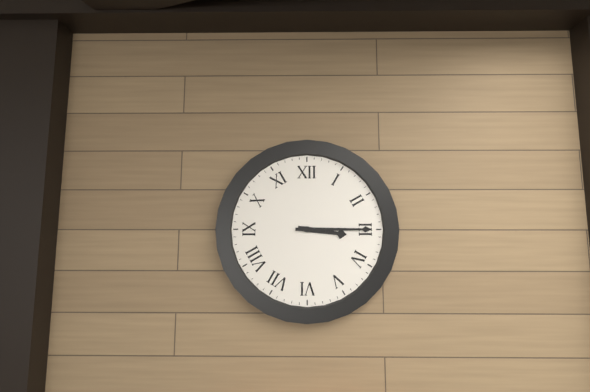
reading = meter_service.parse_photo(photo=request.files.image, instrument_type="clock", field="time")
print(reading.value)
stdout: 3:15
